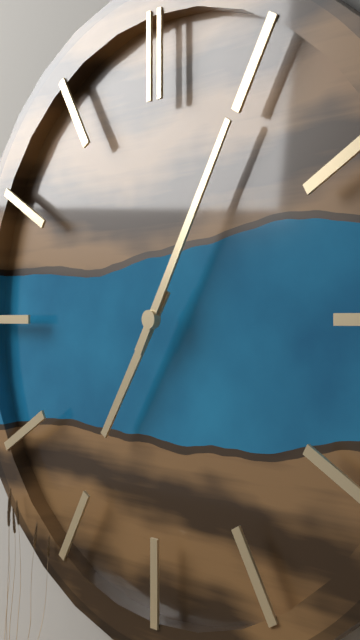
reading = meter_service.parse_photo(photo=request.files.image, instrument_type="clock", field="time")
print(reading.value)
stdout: 7:05
